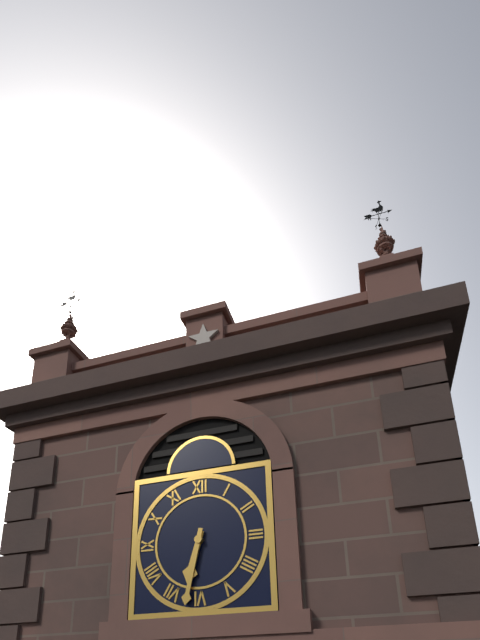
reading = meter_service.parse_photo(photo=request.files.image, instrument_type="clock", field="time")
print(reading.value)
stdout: 6:32
